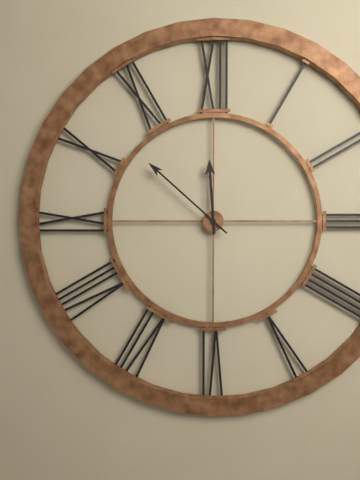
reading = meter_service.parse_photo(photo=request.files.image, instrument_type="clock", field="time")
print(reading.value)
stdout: 11:52
